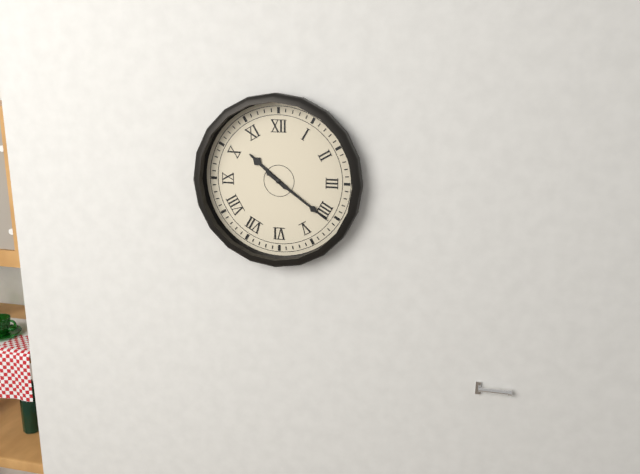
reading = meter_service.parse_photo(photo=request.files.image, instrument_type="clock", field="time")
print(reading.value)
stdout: 10:21
